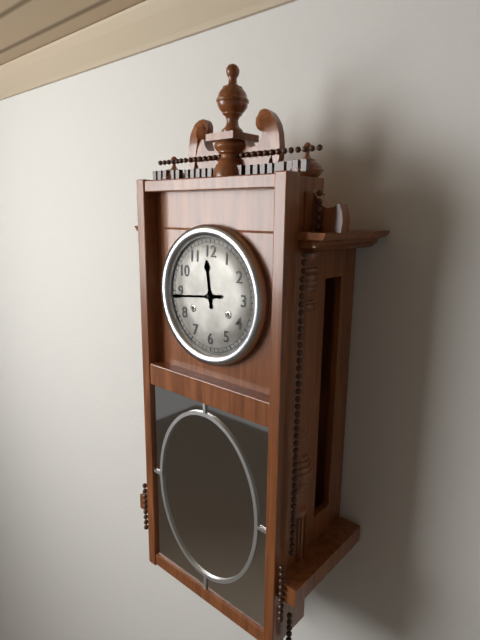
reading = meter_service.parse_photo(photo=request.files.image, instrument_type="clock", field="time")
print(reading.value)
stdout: 11:44
